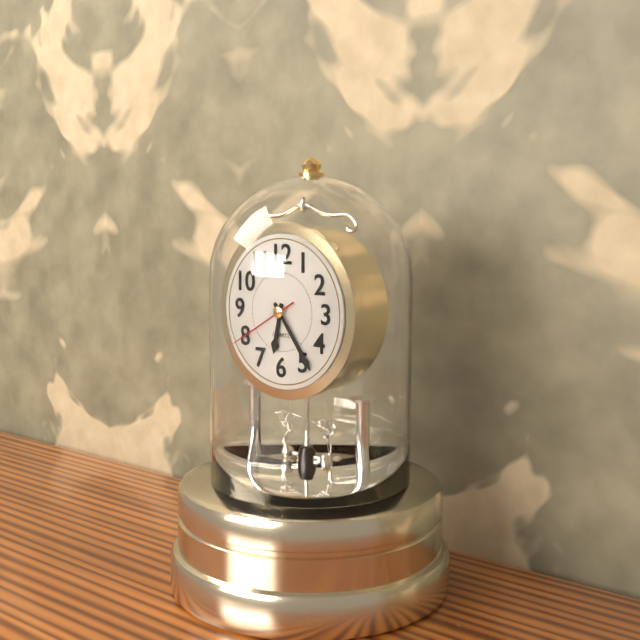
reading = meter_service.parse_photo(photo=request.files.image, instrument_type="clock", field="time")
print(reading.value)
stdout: 6:24:40
